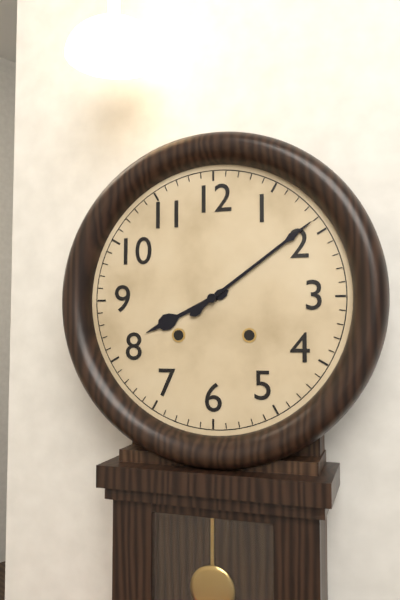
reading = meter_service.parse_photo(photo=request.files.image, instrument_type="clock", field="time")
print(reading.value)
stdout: 8:09
